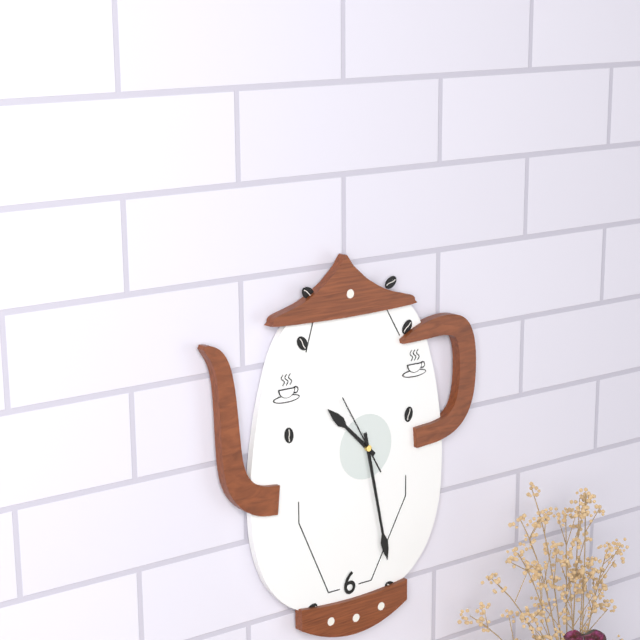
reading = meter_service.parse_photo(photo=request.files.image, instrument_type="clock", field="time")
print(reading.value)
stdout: 10:28:55
